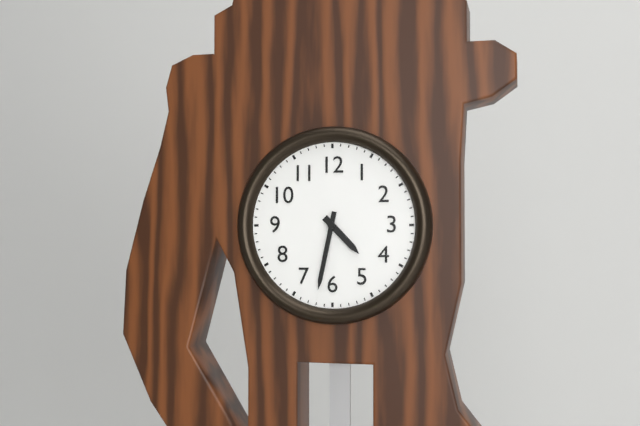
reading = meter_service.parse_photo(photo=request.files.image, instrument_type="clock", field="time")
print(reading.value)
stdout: 4:32
